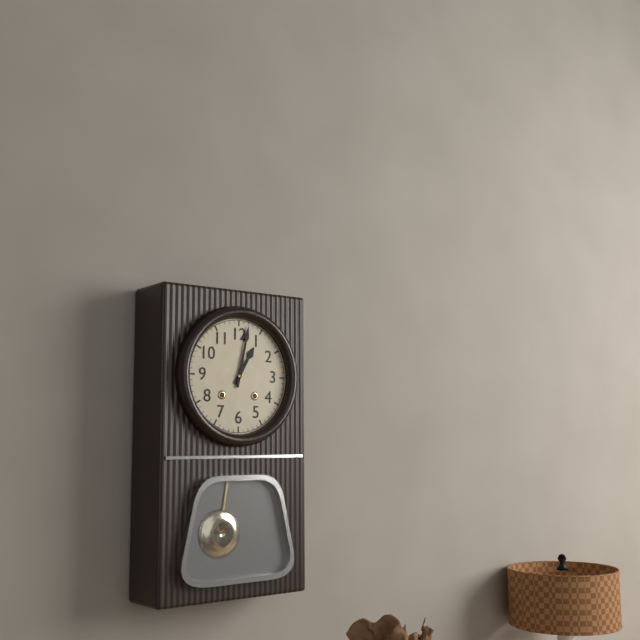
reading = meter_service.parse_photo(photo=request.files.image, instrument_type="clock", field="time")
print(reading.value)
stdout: 1:02
